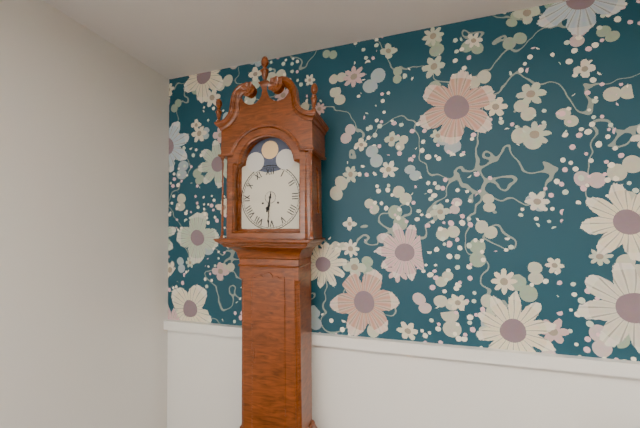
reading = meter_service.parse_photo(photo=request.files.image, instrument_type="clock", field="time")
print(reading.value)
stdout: 6:31
